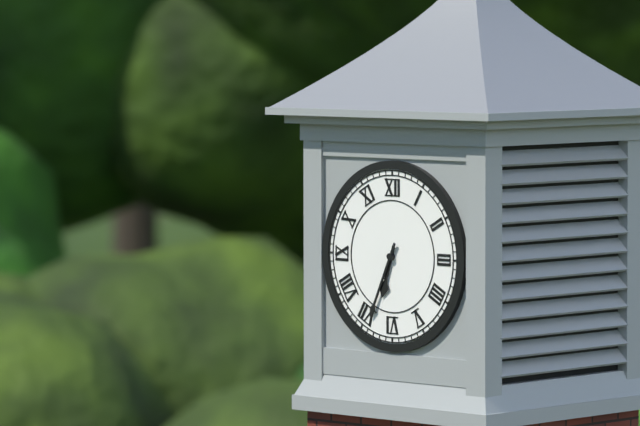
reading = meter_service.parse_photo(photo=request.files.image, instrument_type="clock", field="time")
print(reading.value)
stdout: 6:34
